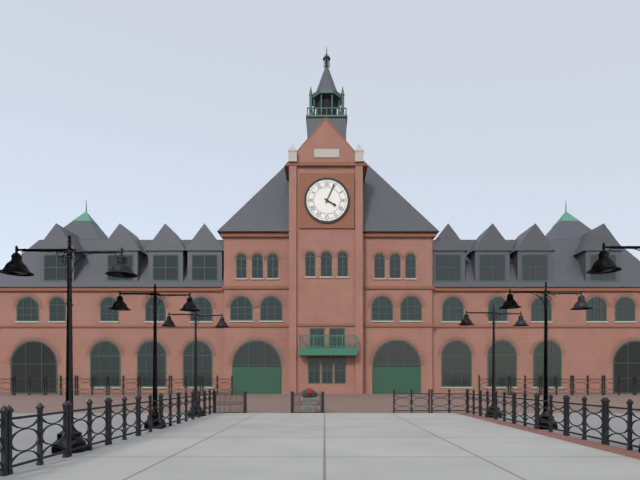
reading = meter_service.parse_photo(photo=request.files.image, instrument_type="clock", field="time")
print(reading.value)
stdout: 4:04
